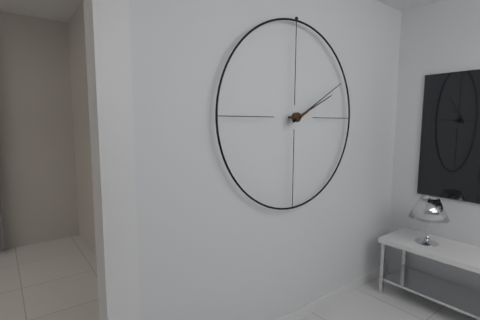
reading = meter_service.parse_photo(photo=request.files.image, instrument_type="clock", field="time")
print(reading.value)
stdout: 2:10
